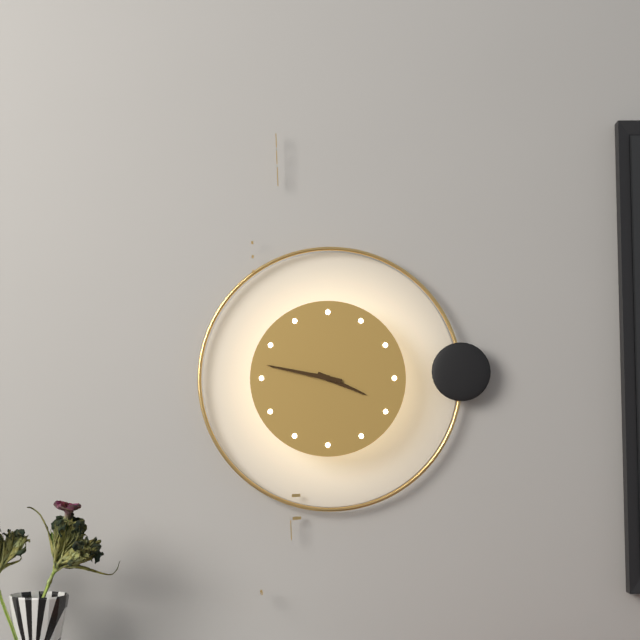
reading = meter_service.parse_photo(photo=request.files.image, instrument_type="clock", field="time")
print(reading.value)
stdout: 3:47
